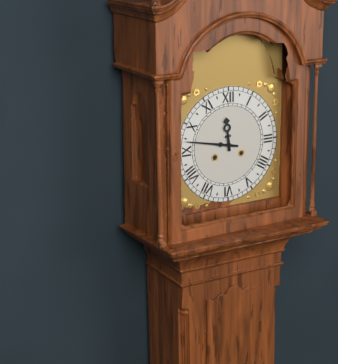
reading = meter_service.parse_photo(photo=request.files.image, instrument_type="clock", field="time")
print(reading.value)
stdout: 11:47
